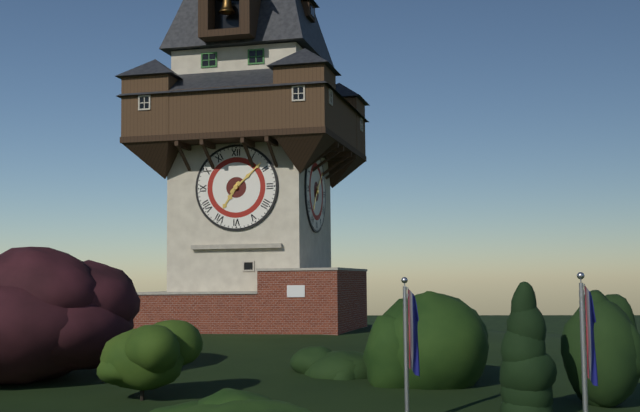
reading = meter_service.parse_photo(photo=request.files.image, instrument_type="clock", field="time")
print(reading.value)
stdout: 7:08
